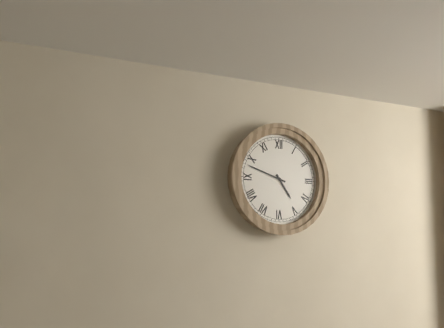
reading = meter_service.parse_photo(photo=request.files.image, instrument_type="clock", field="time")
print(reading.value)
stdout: 4:48
